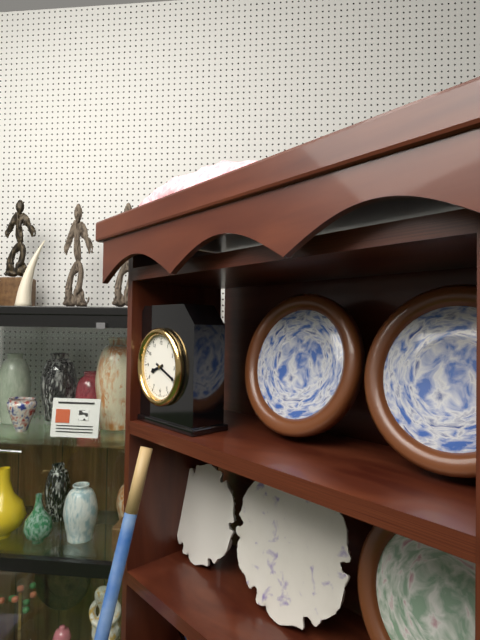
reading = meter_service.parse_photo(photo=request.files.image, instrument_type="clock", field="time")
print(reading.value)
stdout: 8:19
